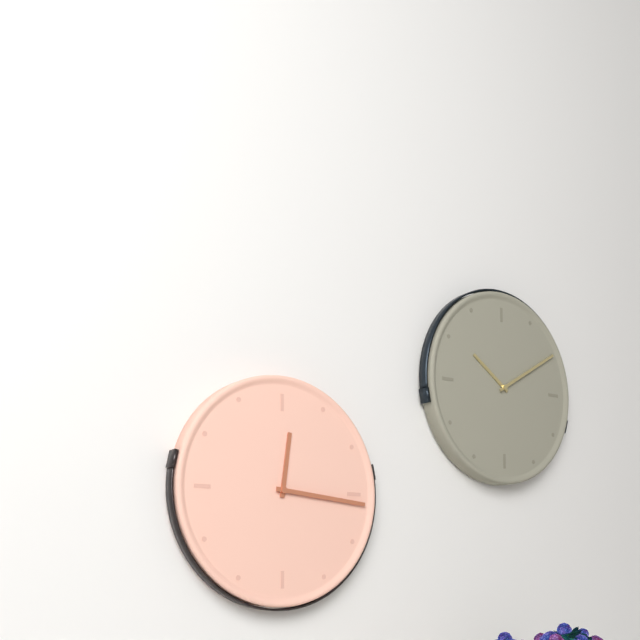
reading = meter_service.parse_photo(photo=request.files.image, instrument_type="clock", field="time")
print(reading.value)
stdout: 12:16
